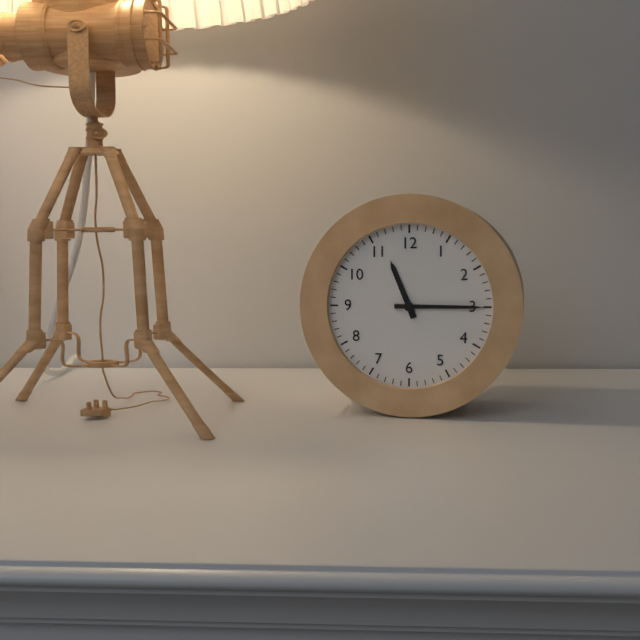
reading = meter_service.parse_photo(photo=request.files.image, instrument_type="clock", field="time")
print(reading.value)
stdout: 11:15
